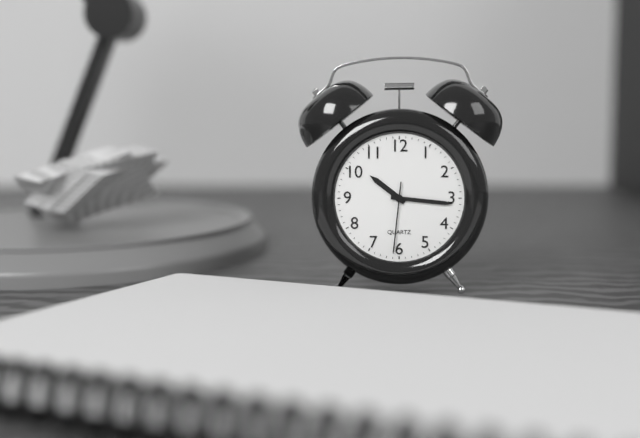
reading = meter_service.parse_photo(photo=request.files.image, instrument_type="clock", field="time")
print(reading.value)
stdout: 10:16:31
